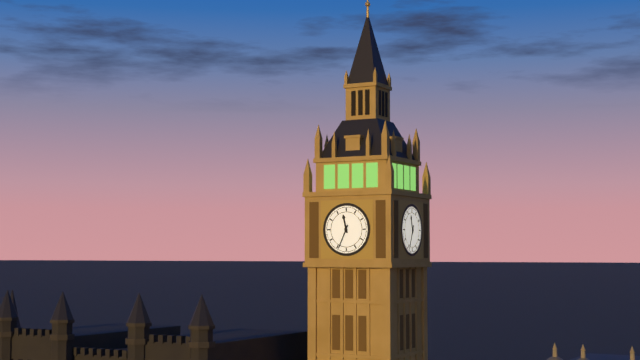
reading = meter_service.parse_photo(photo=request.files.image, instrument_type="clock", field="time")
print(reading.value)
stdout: 11:34
